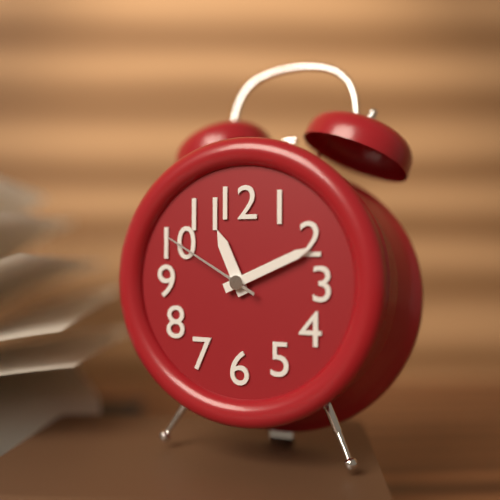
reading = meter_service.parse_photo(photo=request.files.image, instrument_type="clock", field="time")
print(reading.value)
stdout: 11:11:50
